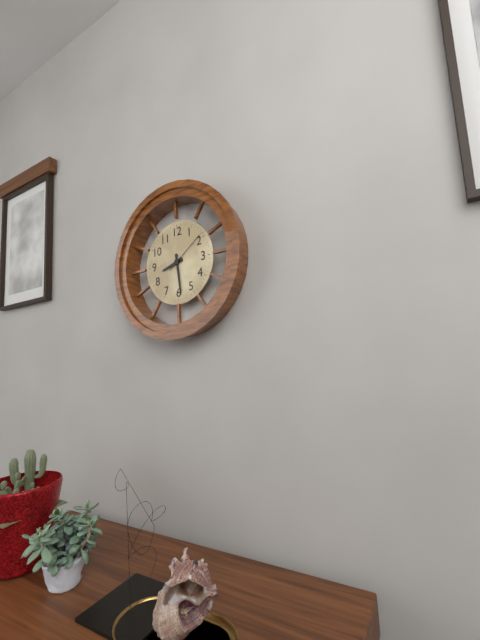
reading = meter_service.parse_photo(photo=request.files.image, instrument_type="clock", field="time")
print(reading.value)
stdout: 8:29
